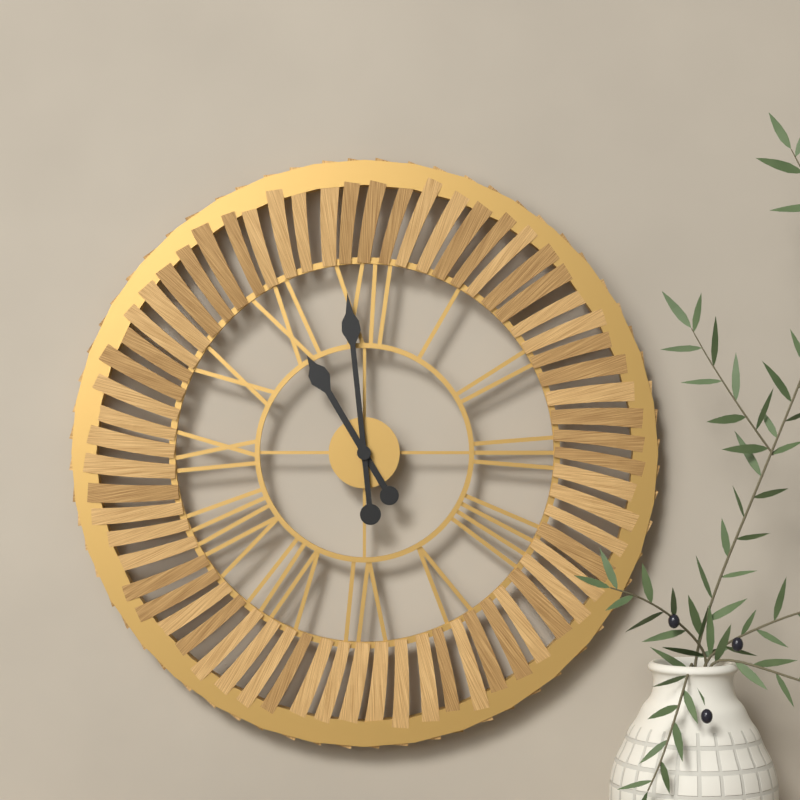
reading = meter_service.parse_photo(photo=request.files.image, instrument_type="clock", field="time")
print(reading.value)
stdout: 10:59
